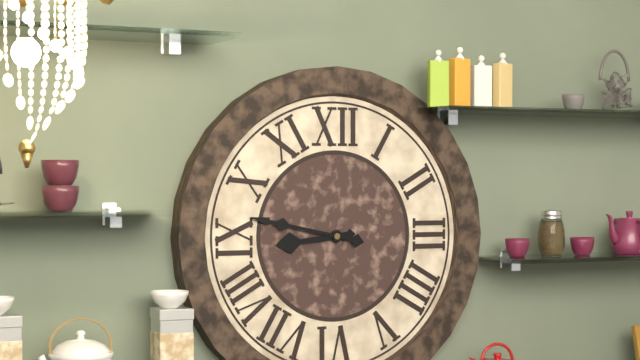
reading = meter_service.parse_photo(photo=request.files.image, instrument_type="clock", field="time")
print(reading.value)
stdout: 8:47
